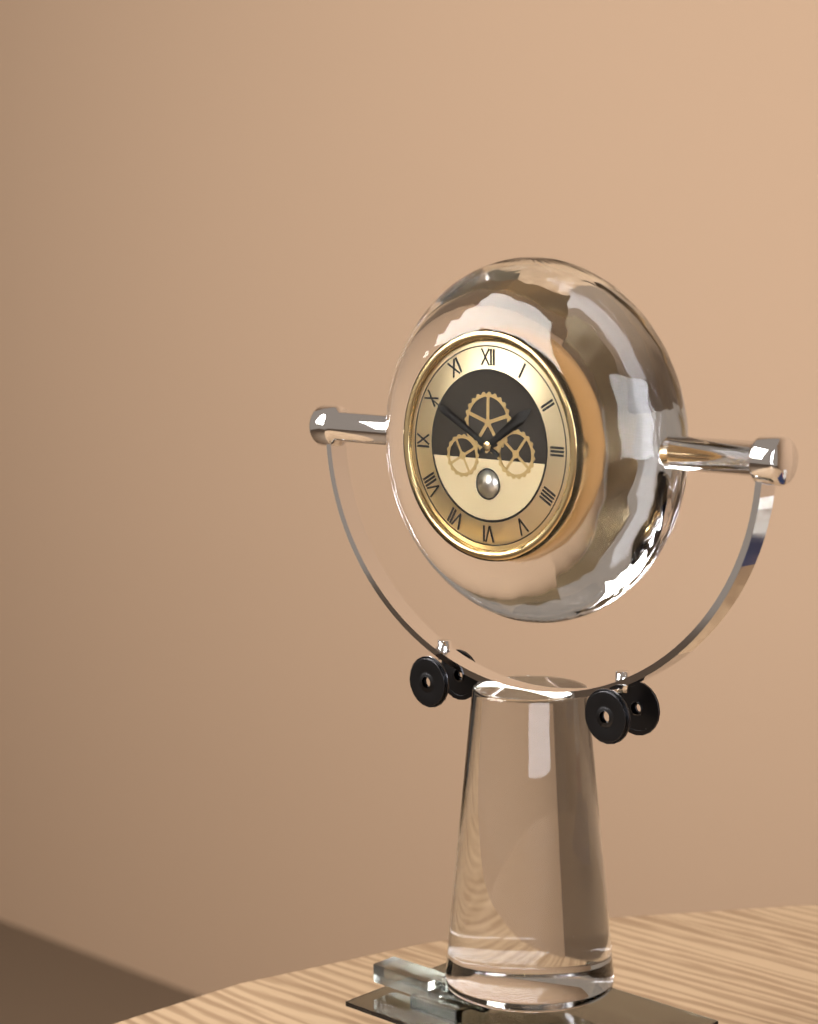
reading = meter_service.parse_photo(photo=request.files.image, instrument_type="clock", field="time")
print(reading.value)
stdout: 1:50
